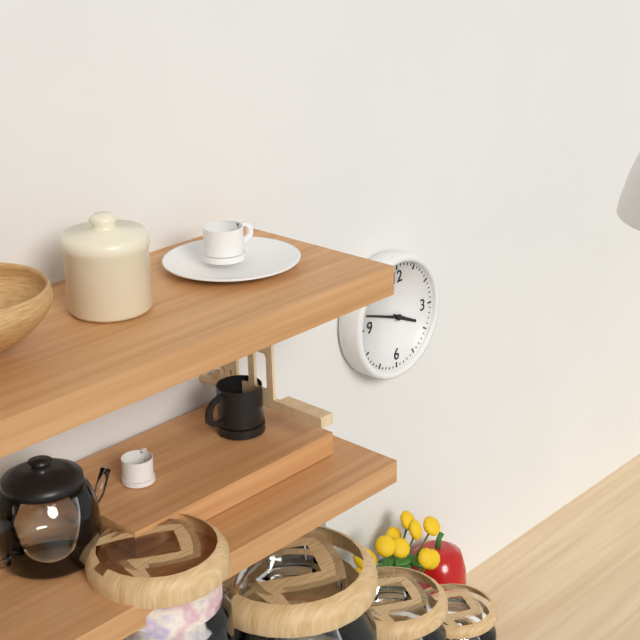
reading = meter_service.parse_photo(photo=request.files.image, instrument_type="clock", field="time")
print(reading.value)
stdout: 3:48
